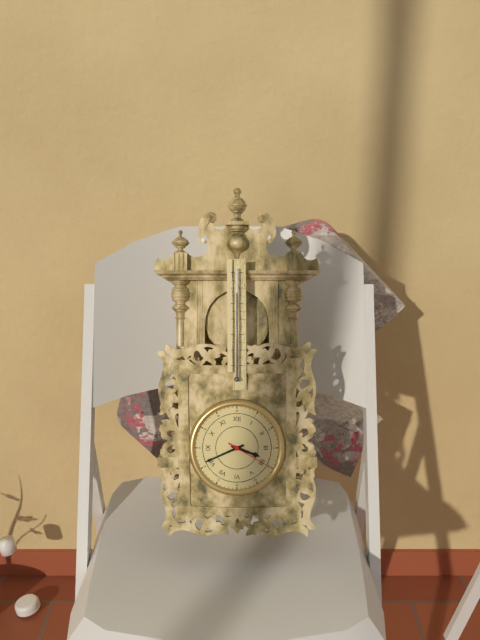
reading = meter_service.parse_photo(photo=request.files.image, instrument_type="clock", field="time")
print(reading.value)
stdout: 3:41
